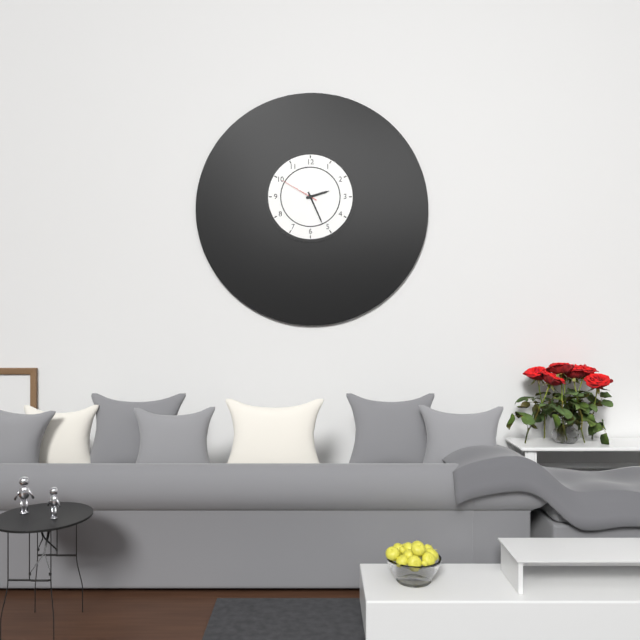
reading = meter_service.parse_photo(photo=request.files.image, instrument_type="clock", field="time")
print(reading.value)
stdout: 2:26
